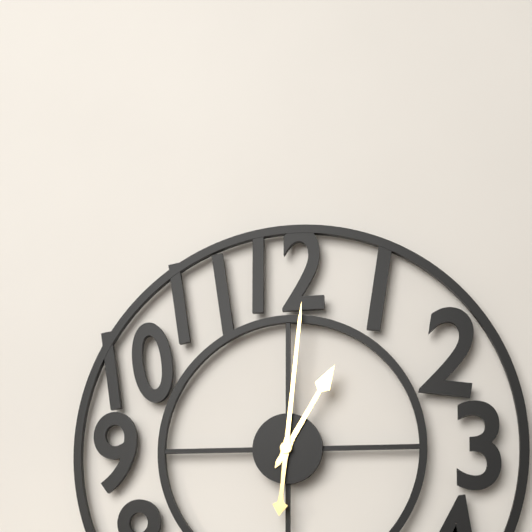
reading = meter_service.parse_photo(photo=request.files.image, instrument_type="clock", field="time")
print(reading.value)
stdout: 1:01
